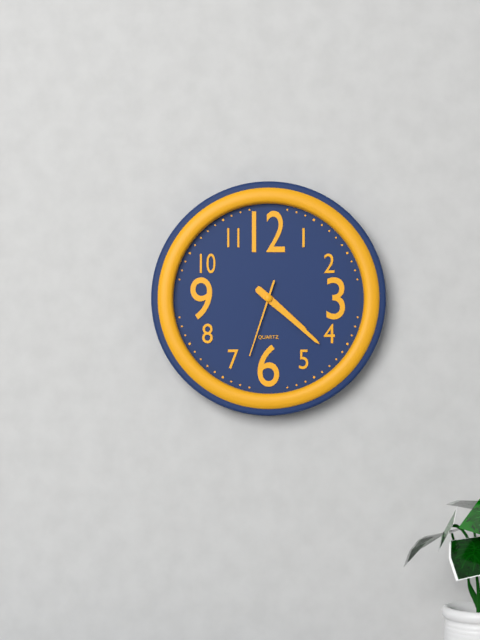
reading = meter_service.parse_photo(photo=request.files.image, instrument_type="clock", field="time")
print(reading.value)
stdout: 4:22:33
